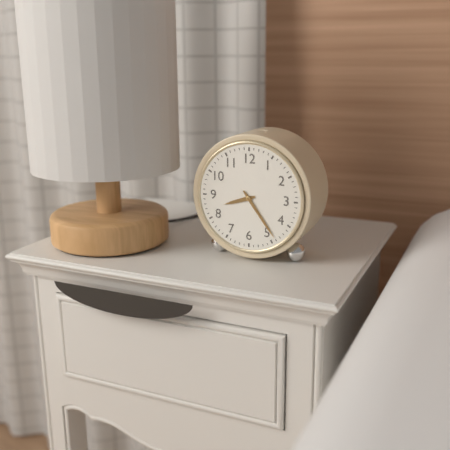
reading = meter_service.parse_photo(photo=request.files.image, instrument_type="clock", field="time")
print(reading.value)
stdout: 8:24
